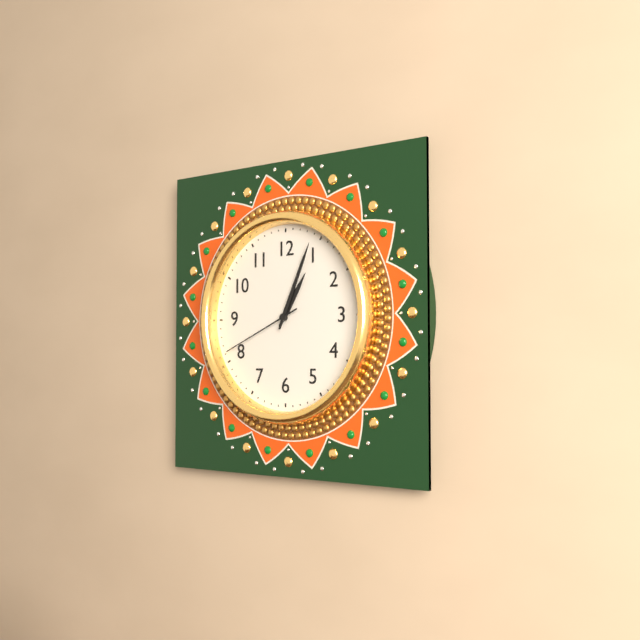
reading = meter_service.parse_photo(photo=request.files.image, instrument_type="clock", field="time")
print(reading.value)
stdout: 1:04:41
